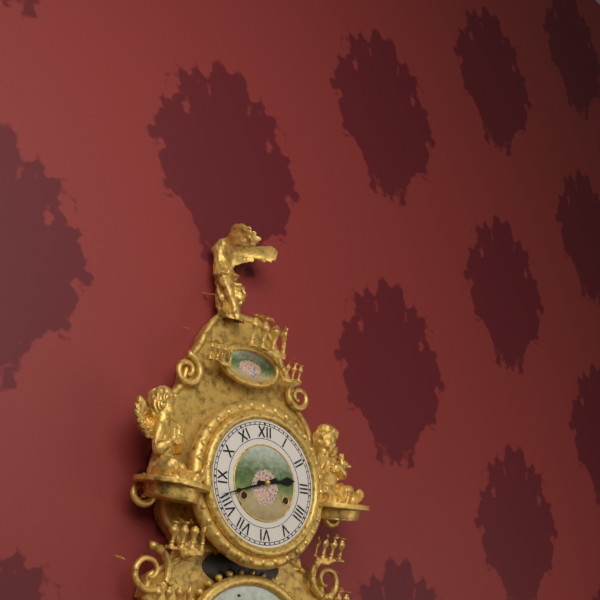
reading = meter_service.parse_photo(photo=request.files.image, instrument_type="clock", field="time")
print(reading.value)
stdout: 2:42
